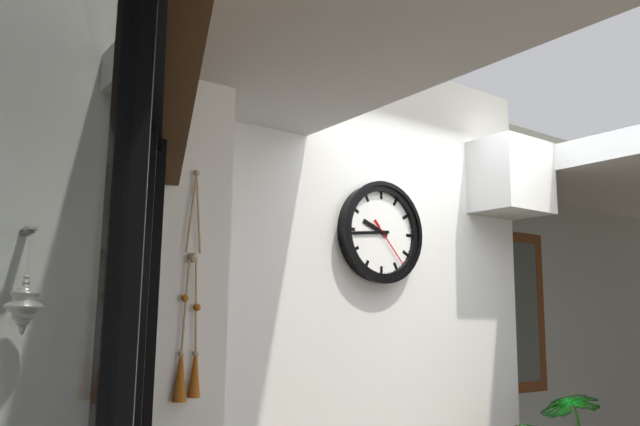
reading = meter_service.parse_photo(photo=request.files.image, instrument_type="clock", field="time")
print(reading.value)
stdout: 9:44
